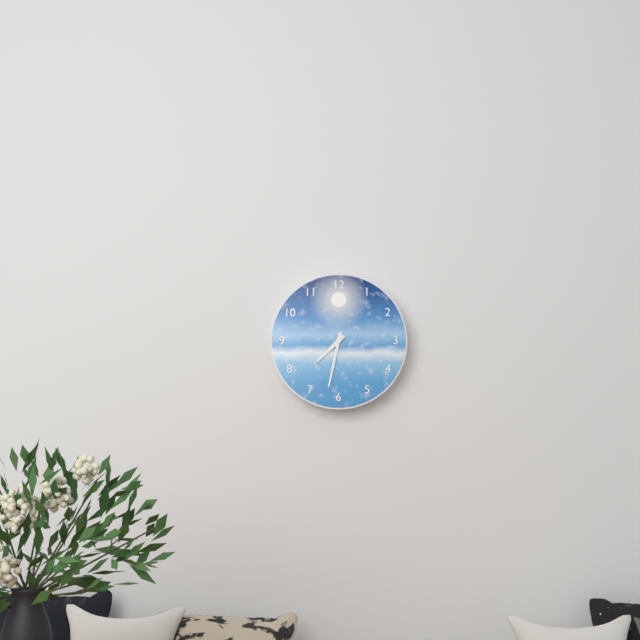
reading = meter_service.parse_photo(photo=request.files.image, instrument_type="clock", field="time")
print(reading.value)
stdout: 7:32
